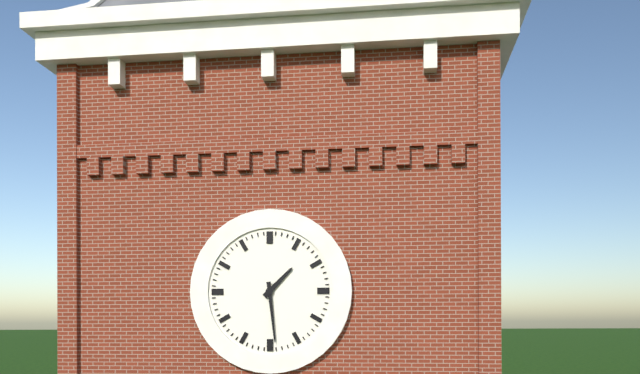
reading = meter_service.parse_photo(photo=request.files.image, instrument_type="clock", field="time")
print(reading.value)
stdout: 1:29
